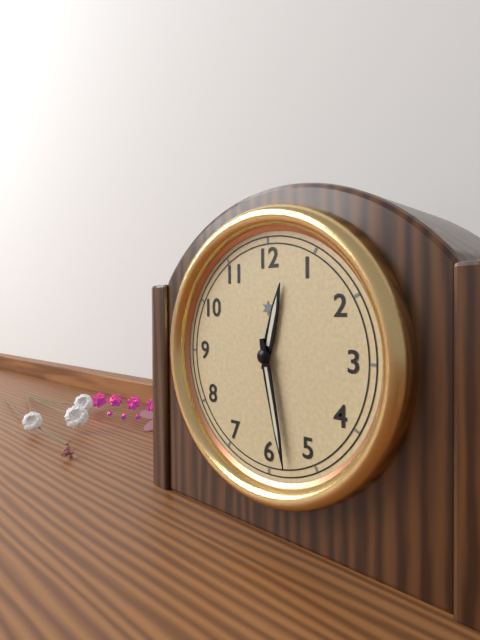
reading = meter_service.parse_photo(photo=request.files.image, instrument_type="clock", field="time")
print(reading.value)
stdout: 12:28
